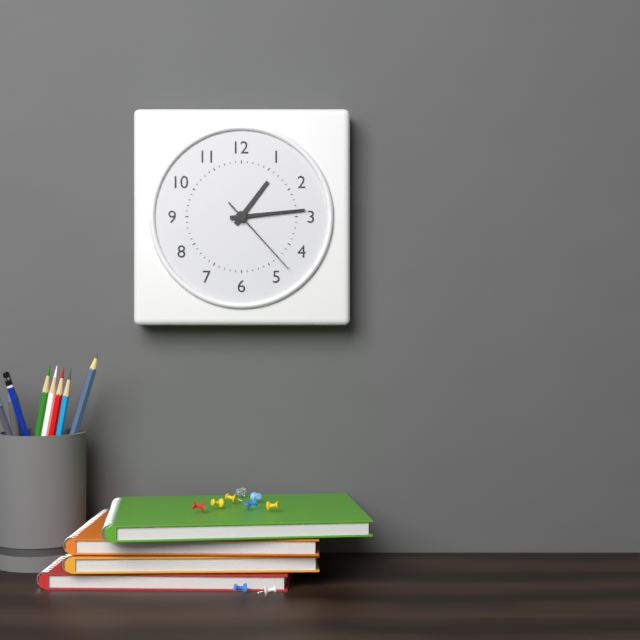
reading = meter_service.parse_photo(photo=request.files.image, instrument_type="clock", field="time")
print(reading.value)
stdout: 1:14:23
